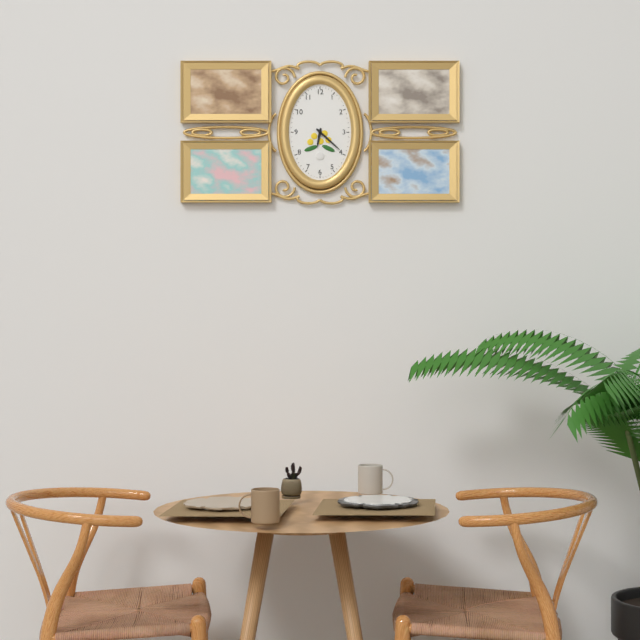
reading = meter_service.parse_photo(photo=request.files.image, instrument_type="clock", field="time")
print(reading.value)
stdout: 6:22
